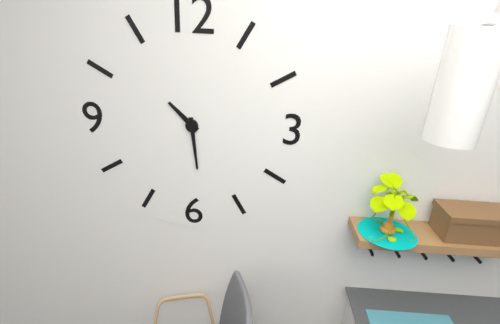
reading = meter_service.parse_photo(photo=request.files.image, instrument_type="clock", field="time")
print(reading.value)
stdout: 10:29
